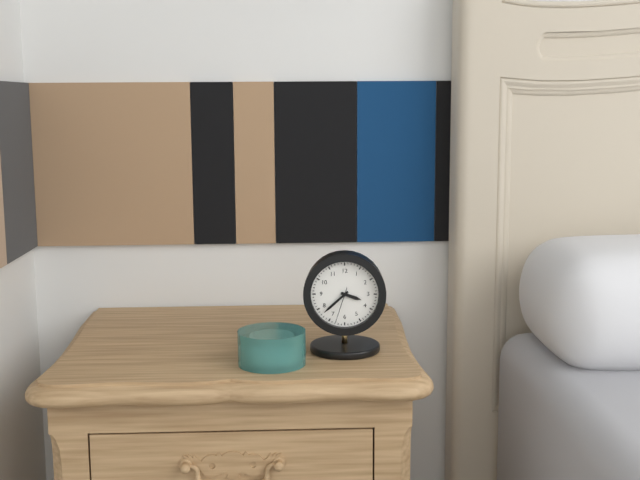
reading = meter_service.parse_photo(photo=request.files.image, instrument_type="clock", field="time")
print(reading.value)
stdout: 3:38
